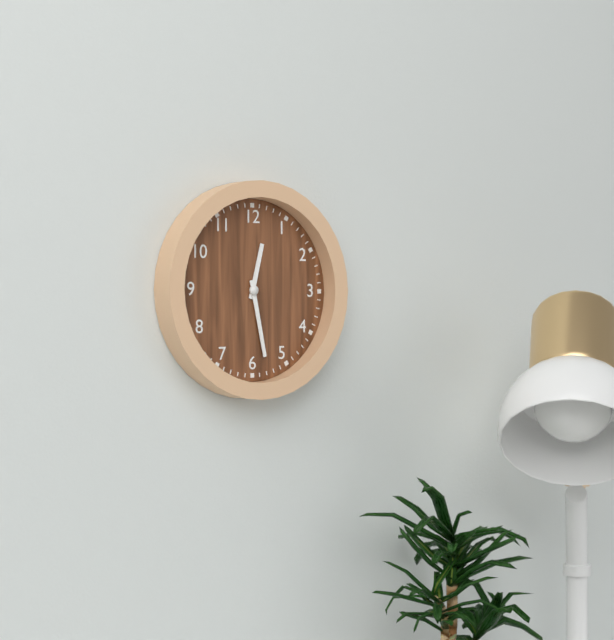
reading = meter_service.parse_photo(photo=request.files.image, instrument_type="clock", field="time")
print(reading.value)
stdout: 12:28
